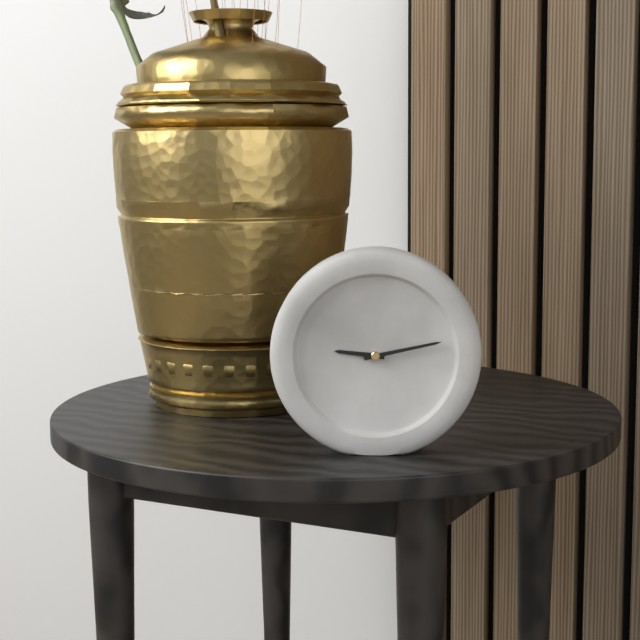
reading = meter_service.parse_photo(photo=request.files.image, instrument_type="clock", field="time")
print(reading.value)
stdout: 9:13
